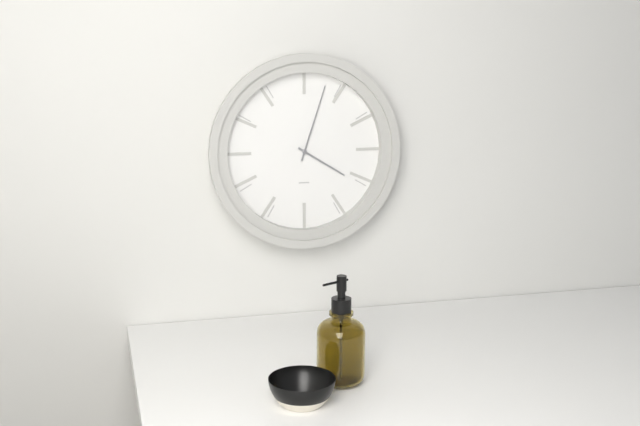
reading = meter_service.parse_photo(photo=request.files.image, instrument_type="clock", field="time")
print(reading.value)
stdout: 4:03
